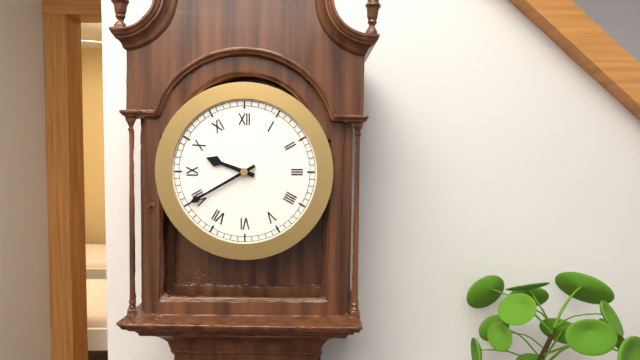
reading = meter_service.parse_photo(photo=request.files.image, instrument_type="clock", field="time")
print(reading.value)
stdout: 9:40
